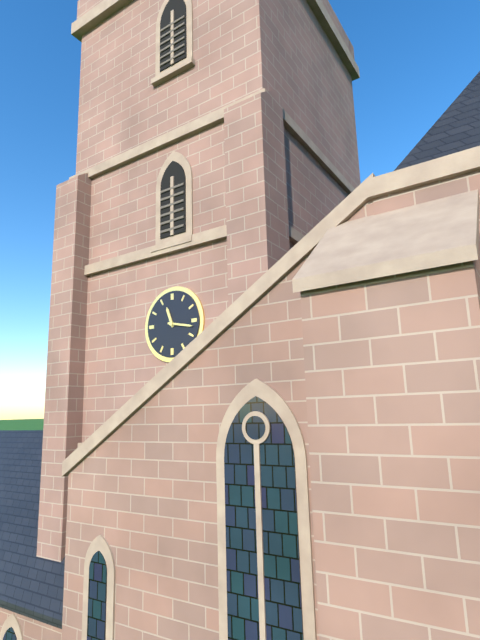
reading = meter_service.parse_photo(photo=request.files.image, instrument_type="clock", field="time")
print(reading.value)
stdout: 11:17
